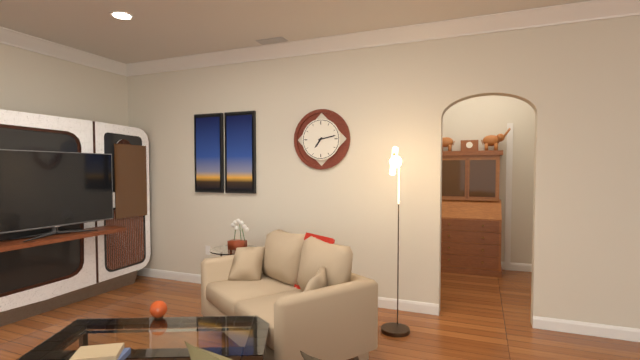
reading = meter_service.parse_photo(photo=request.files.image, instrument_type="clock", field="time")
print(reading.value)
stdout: 7:13
